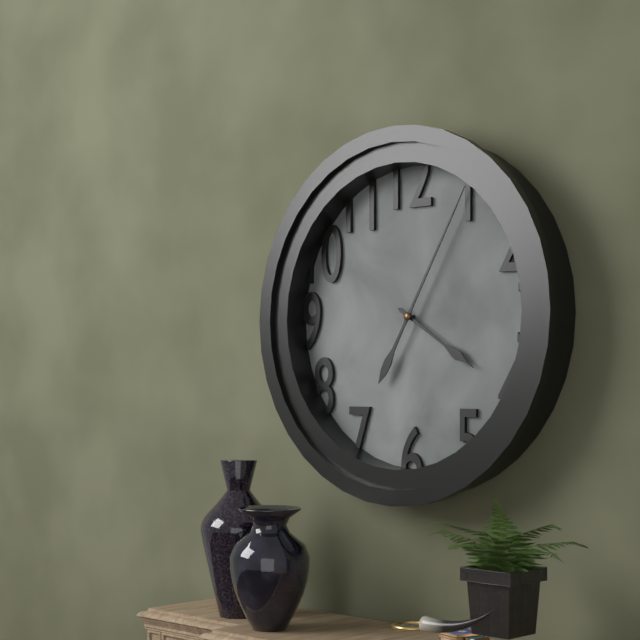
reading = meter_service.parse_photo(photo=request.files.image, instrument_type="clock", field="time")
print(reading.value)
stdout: 4:05
